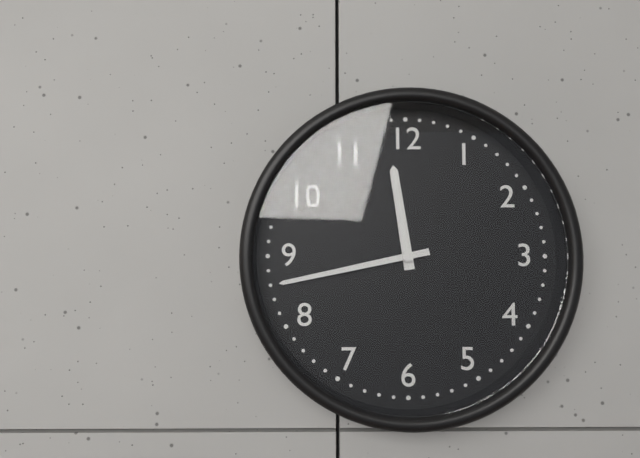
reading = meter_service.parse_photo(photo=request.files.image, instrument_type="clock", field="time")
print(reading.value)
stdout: 11:43
